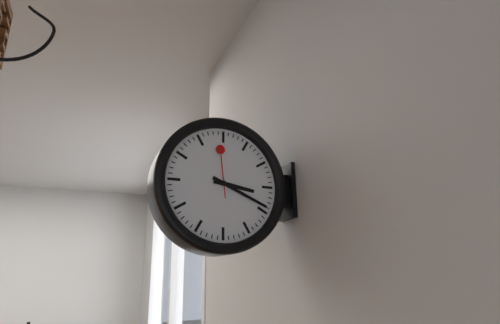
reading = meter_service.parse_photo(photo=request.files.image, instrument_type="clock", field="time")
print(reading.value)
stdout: 3:19:59
